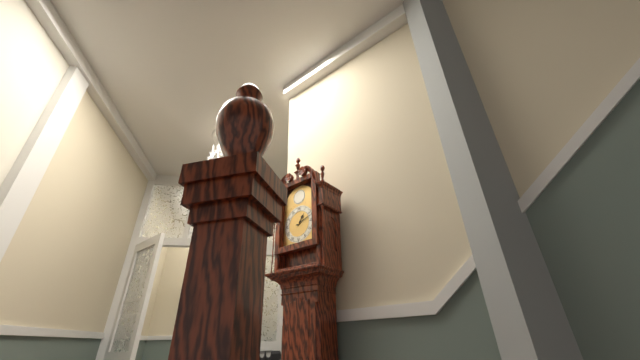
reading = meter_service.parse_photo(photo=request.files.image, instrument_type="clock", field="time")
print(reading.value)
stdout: 1:12
